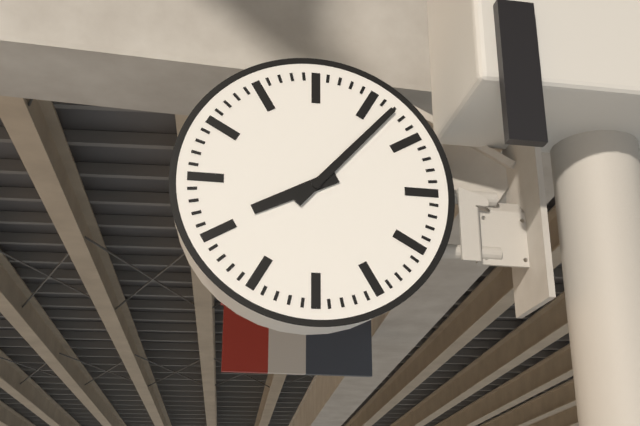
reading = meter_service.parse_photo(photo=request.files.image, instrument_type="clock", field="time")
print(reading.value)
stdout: 8:07
